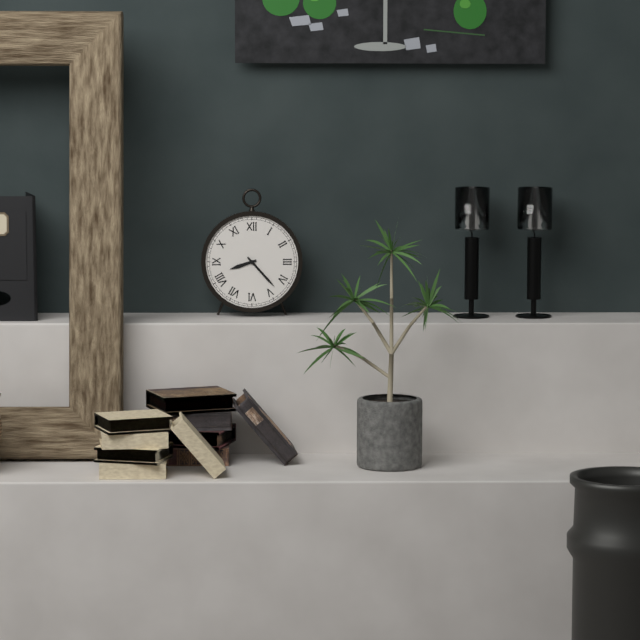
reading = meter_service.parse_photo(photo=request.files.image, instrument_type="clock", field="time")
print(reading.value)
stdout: 8:23
